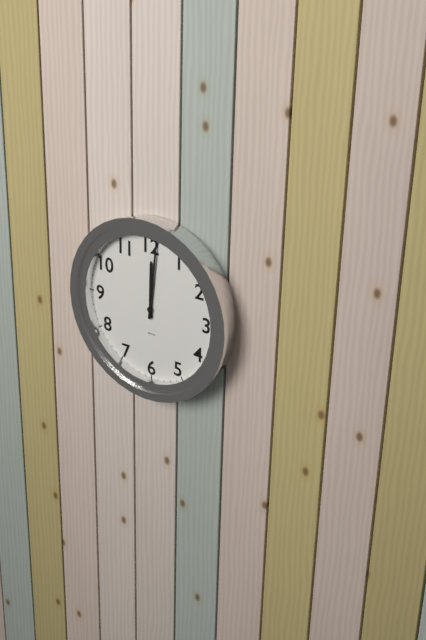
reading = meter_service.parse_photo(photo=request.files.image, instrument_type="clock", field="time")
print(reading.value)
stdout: 12:01
